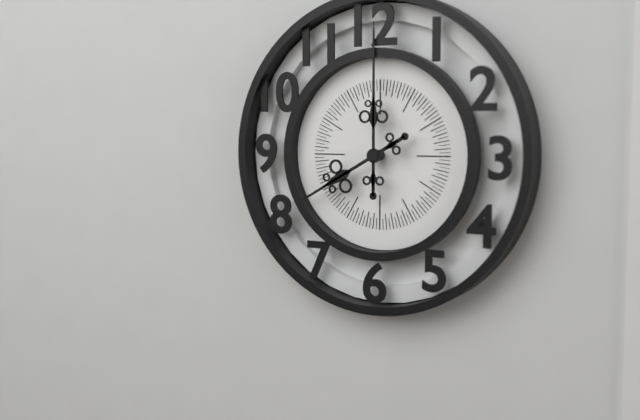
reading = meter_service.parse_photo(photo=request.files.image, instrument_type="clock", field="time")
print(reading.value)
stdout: 8:00
